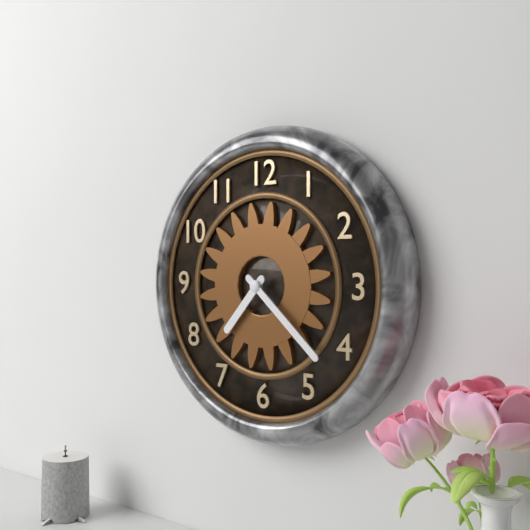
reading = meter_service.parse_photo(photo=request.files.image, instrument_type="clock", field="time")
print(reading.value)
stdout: 7:22
